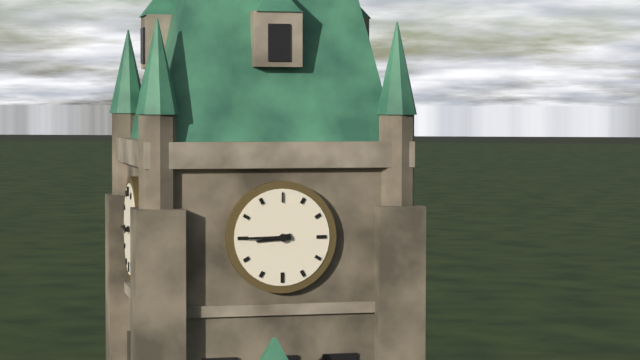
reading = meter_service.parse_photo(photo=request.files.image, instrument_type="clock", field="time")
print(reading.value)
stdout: 8:45
